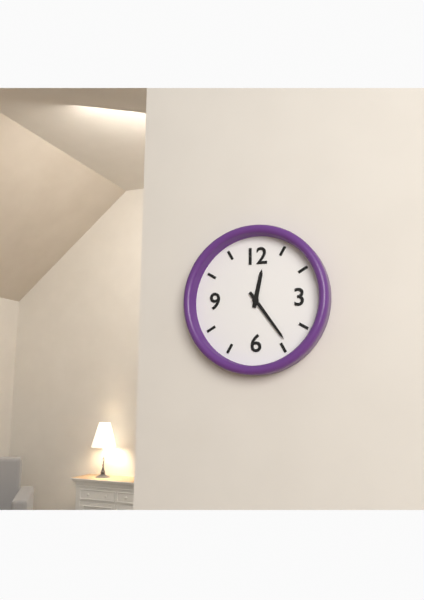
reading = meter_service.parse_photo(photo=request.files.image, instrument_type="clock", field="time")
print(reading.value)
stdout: 12:24
